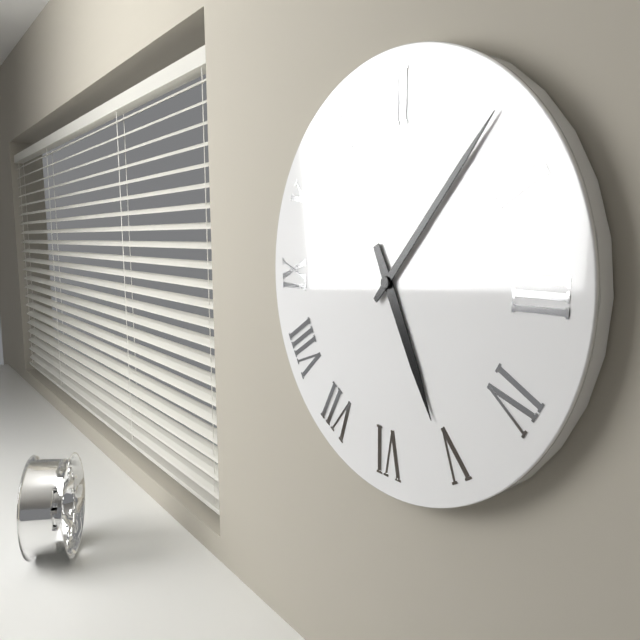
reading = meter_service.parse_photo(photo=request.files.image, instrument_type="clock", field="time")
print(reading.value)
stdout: 5:07
